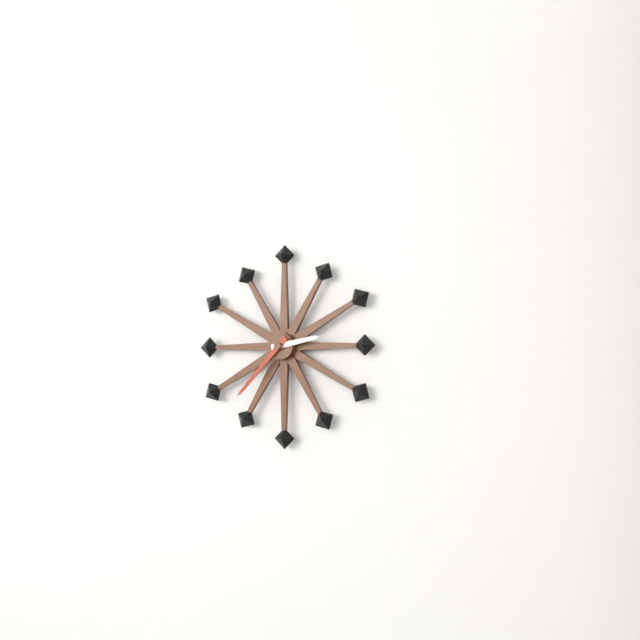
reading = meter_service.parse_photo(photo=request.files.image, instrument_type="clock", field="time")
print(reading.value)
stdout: 2:37
